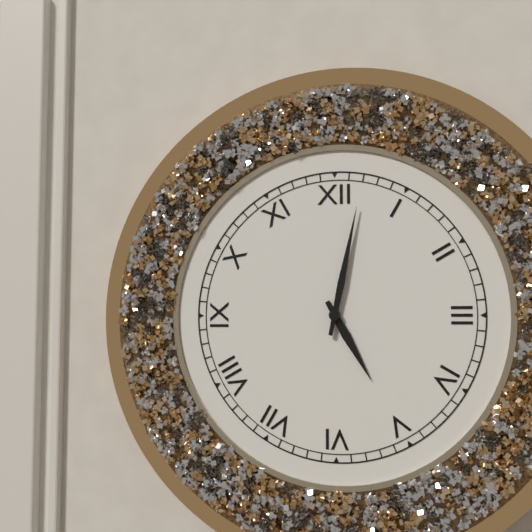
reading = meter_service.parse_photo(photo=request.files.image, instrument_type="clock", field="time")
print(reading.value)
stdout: 5:02
